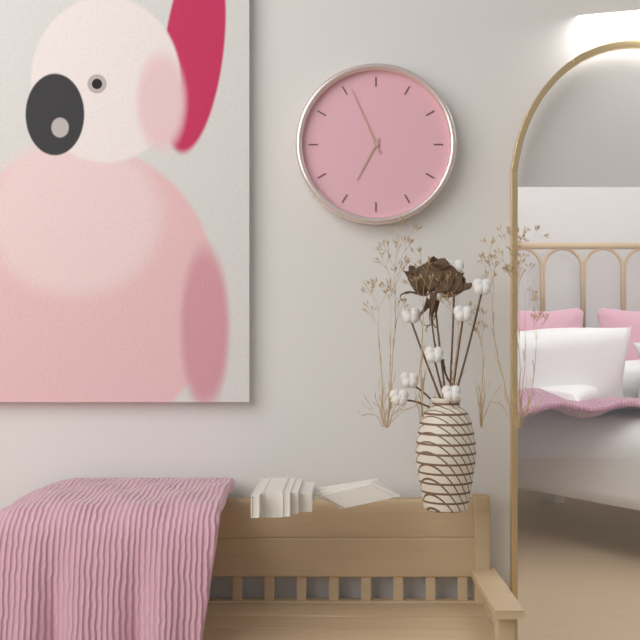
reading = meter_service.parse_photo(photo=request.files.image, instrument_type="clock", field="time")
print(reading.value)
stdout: 6:56
